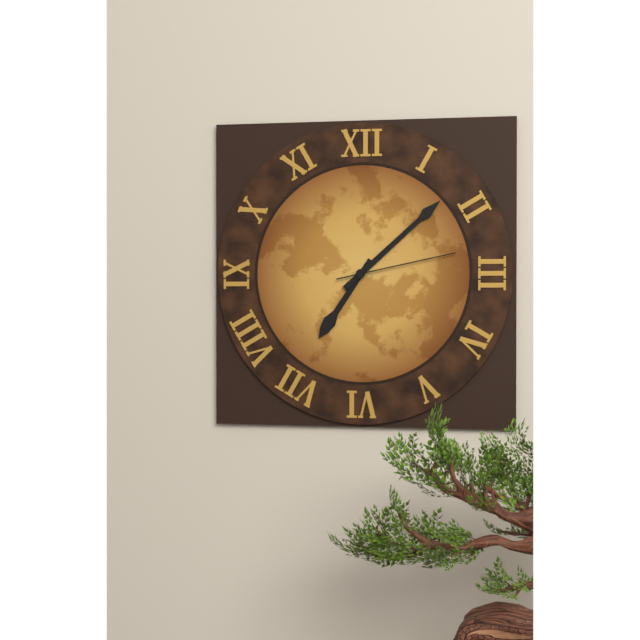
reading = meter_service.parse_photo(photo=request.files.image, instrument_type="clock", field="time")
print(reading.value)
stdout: 7:08:13
